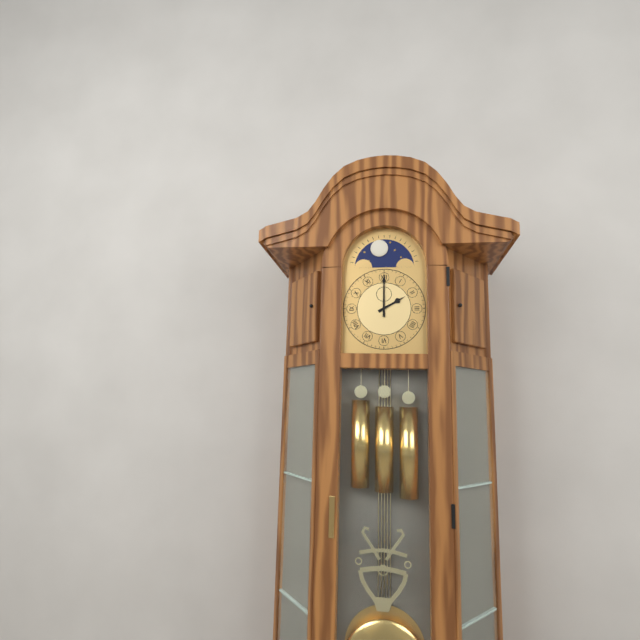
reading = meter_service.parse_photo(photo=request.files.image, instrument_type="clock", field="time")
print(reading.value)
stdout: 2:00
